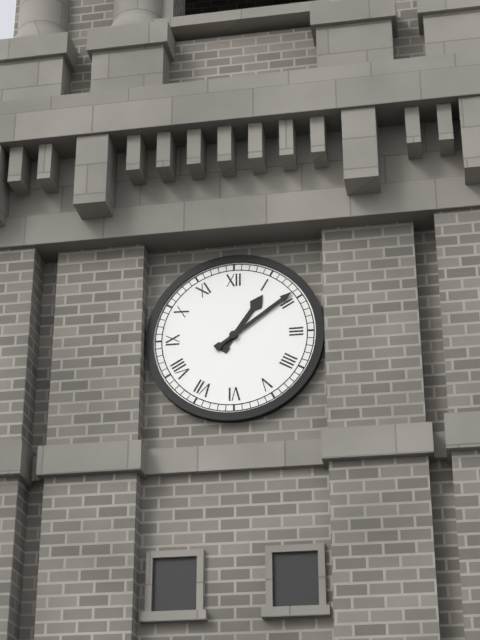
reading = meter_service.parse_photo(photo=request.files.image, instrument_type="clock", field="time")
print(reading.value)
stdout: 1:09
